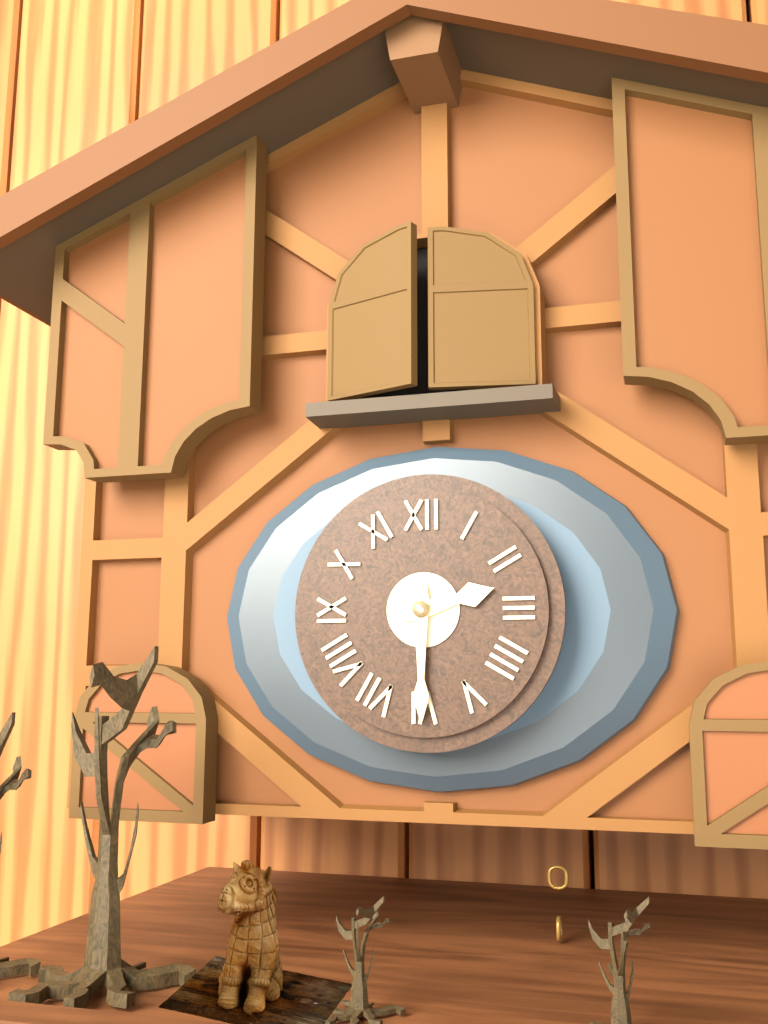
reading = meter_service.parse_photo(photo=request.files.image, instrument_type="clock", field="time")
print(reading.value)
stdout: 2:30
